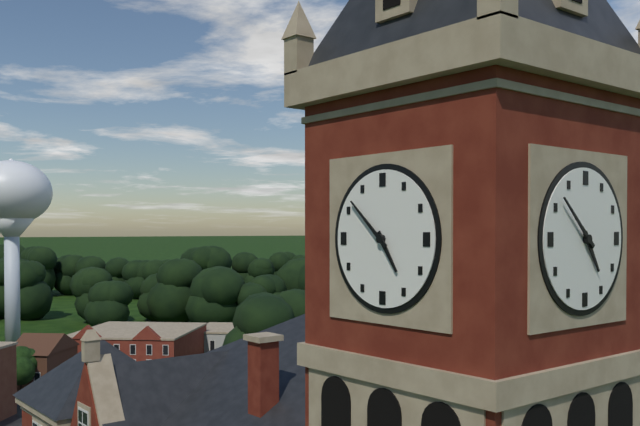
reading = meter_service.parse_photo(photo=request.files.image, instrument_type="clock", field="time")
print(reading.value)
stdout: 4:52
